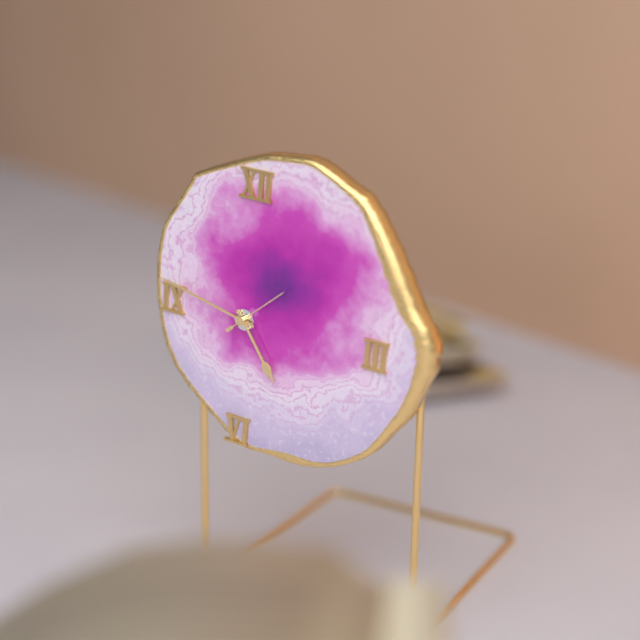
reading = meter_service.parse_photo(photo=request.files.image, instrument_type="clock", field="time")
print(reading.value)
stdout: 4:47:08
